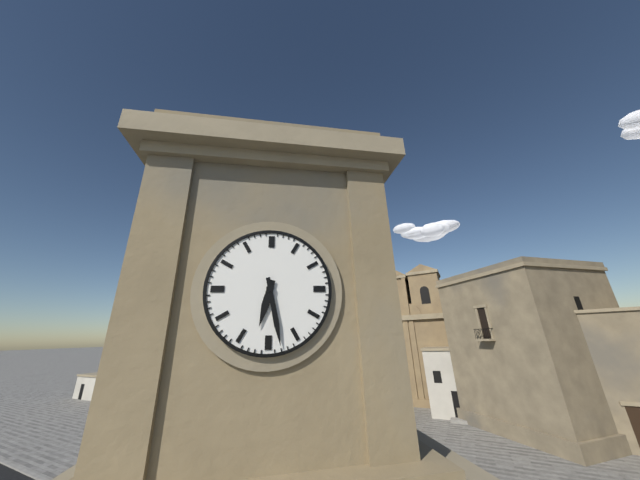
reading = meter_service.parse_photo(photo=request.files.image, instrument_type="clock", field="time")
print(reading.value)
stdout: 6:28
